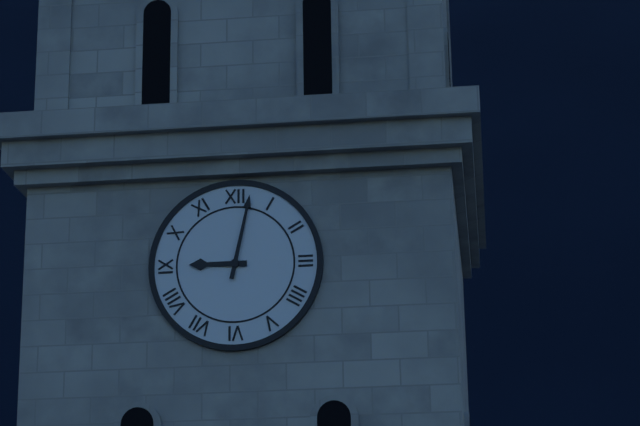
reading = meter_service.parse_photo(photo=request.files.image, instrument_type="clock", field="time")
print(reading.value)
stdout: 9:02
